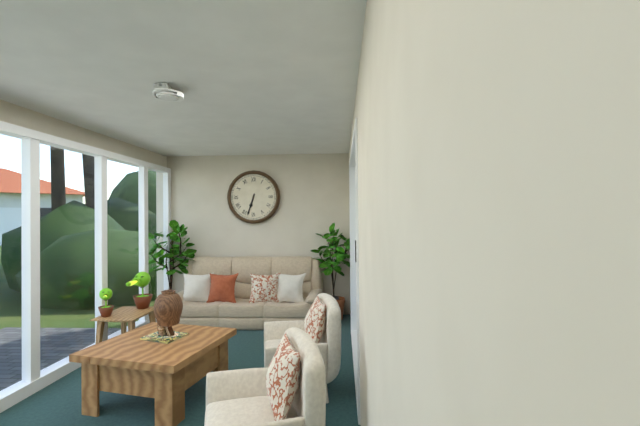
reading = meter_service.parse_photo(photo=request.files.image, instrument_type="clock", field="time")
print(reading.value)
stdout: 6:33
